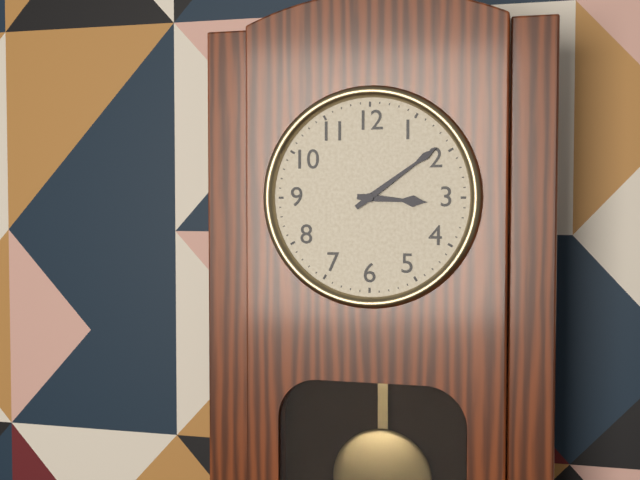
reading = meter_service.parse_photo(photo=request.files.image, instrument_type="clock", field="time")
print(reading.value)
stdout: 3:09
